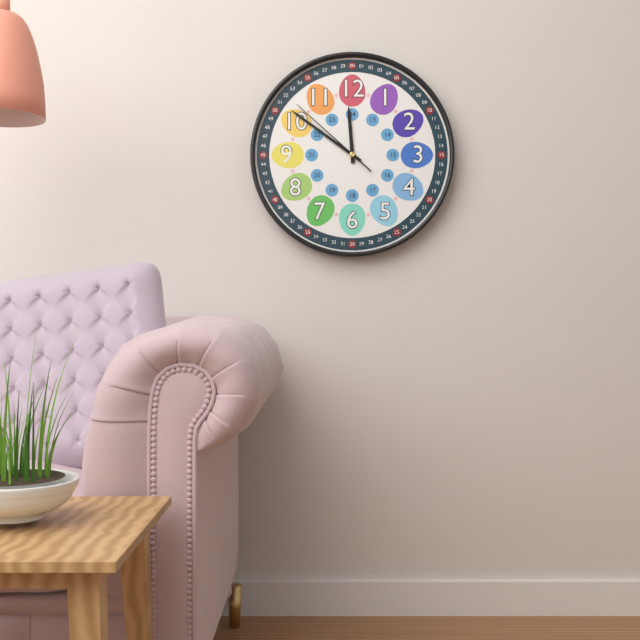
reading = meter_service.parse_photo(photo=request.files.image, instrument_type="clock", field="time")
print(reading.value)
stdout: 11:51:52
